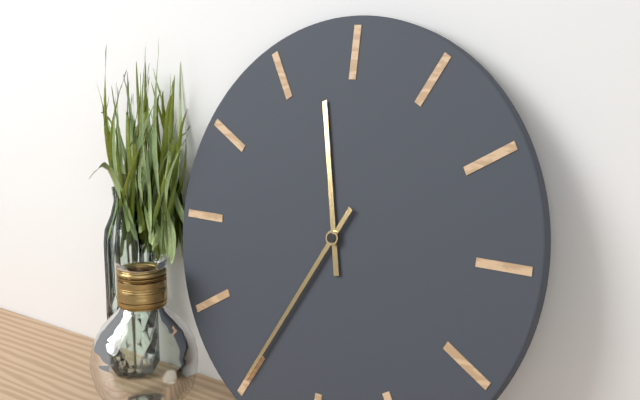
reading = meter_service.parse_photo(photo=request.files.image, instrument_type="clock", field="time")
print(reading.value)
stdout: 11:35
